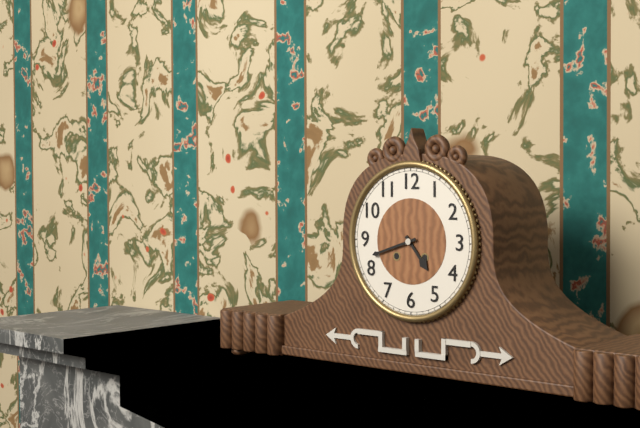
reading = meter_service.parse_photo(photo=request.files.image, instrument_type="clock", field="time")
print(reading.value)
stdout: 4:42
